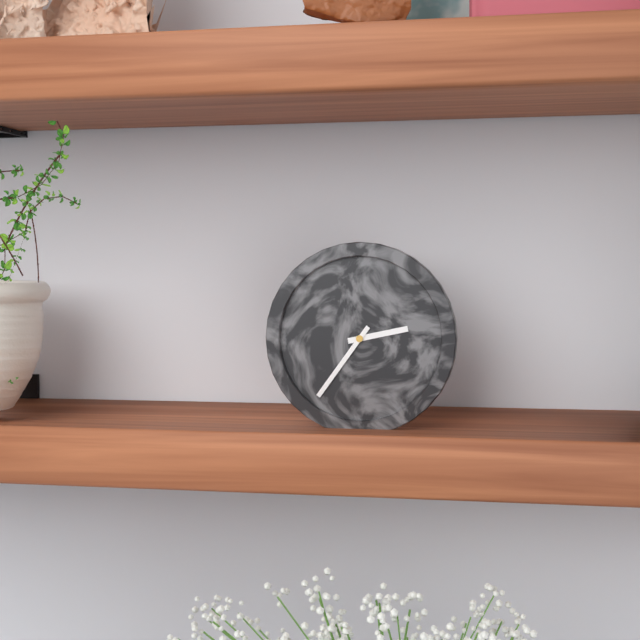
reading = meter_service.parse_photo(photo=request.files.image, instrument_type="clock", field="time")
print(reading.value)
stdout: 2:36
